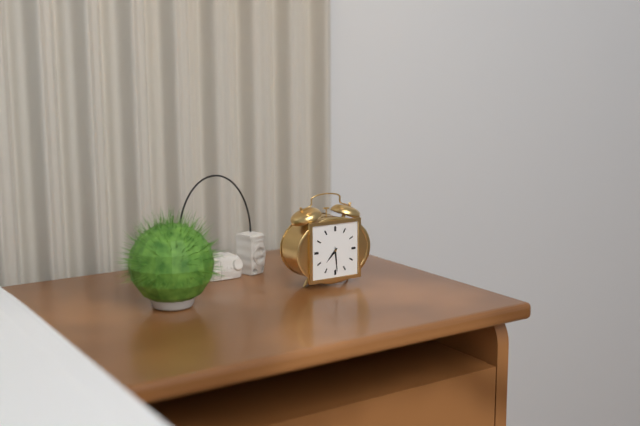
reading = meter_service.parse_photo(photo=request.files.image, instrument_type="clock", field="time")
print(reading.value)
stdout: 7:29
